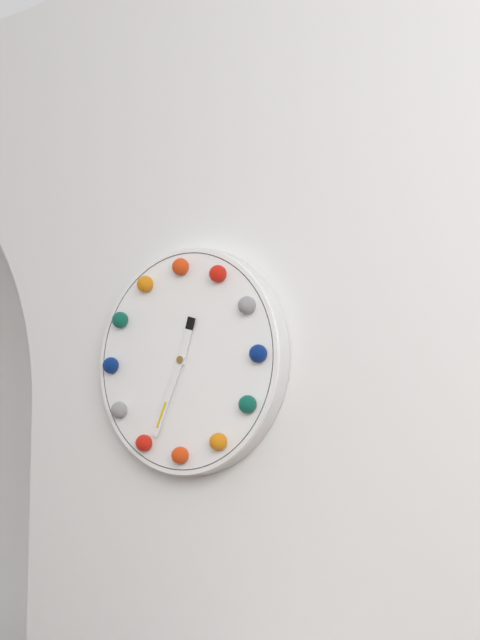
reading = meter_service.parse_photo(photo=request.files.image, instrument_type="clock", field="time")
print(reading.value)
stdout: 12:34
